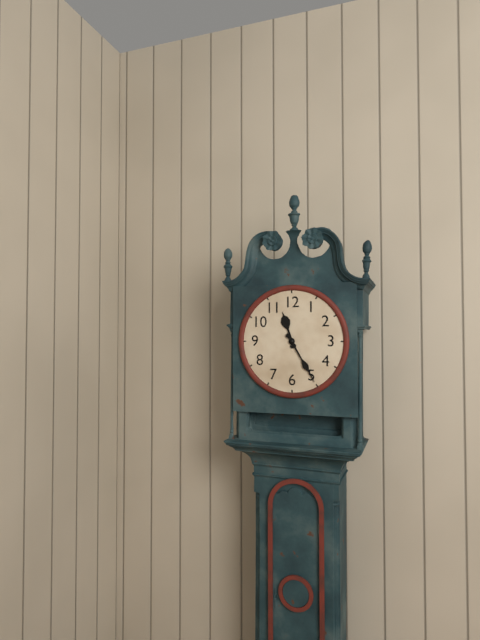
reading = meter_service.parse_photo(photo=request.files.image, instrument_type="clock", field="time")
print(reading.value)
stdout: 11:25
